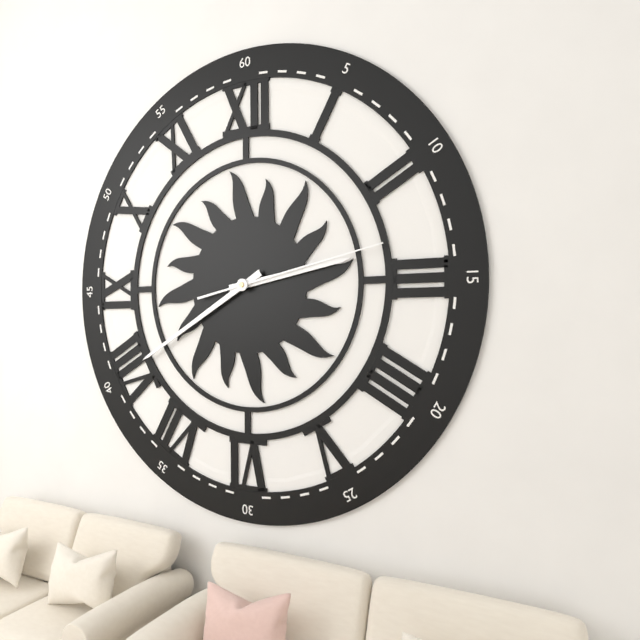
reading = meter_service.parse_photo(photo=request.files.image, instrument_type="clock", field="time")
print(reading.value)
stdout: 2:40:13
